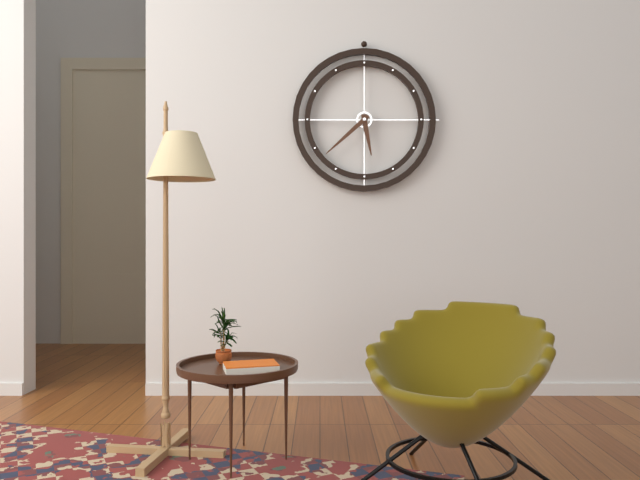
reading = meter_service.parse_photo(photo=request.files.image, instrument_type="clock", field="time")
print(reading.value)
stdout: 5:38
